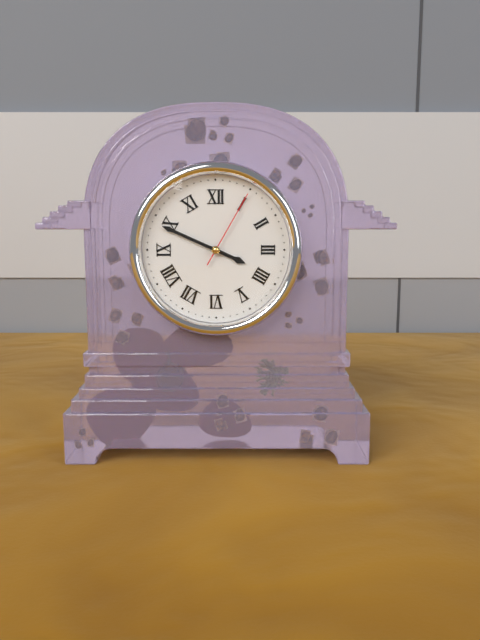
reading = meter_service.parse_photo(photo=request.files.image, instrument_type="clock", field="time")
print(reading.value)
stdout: 3:49:05
